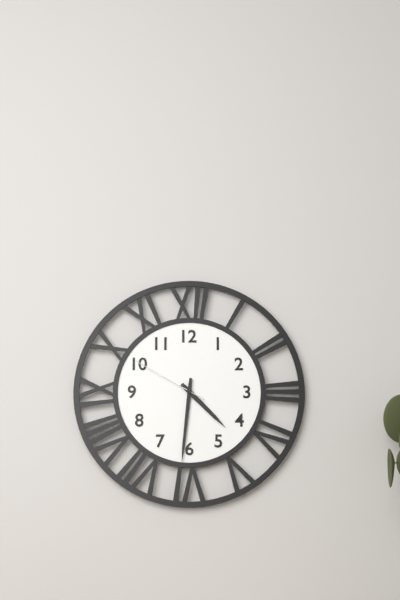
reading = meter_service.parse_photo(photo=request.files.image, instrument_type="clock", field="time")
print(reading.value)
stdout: 4:31:50
